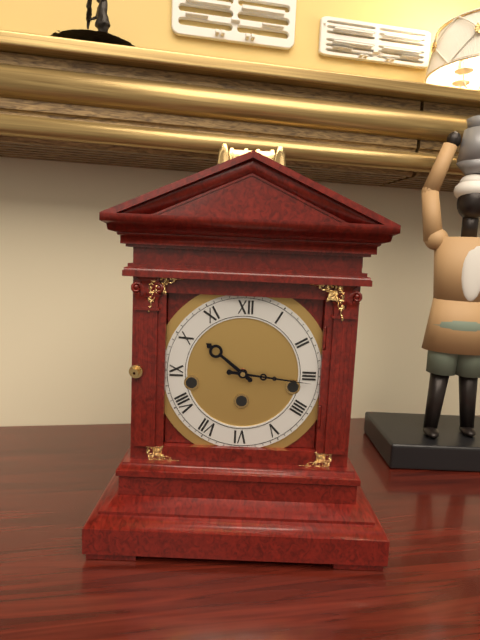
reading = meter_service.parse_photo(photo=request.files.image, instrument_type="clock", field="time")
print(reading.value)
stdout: 10:16
